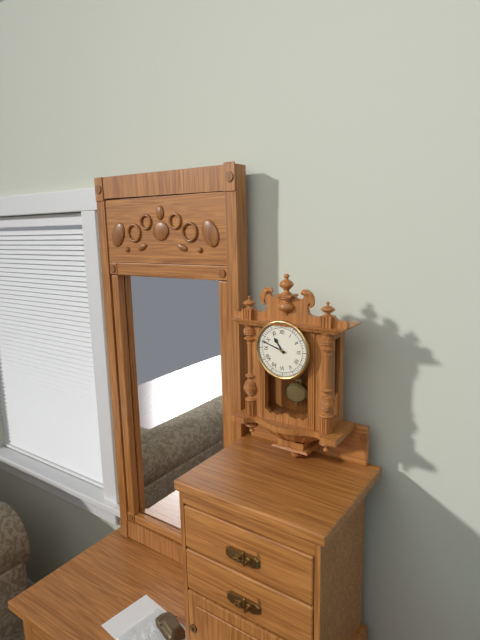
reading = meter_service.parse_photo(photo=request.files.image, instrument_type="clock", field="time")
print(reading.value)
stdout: 10:48
